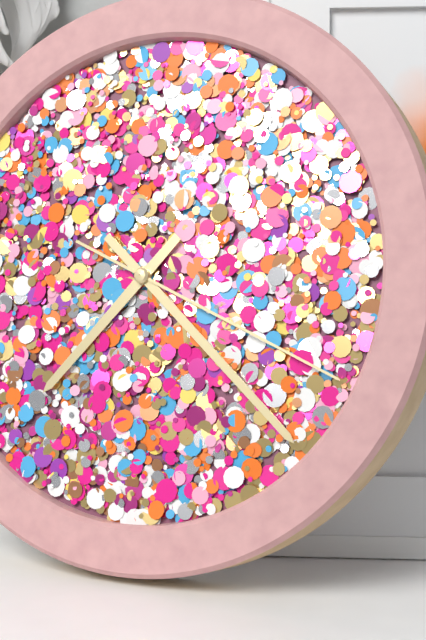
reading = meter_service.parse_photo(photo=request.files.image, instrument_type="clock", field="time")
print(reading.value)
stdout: 7:22:19
